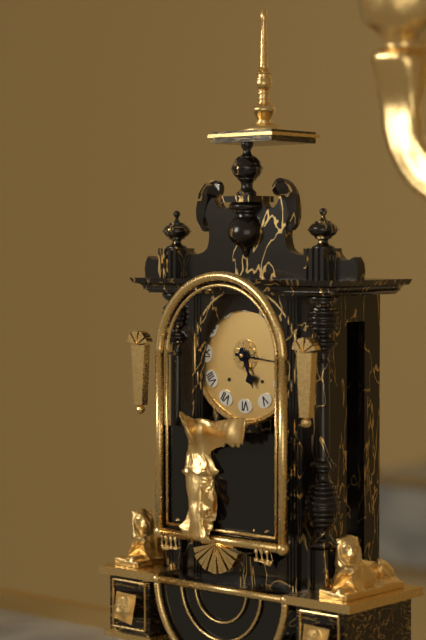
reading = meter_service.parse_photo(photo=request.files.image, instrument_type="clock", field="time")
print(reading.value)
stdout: 5:16
